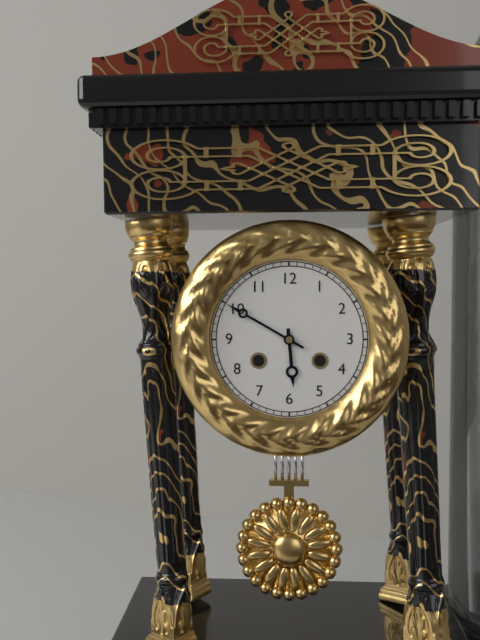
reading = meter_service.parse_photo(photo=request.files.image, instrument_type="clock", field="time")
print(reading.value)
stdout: 5:50
